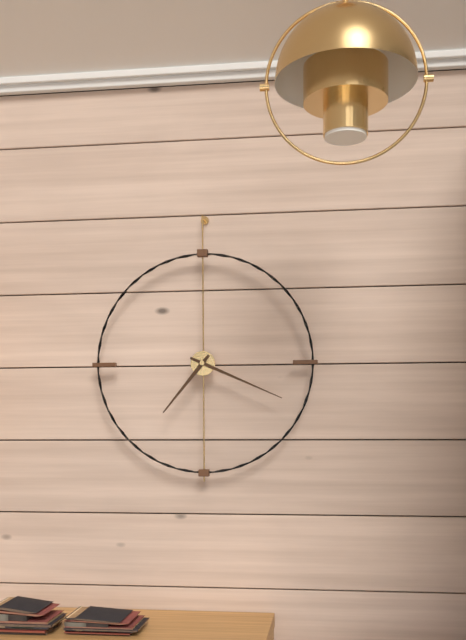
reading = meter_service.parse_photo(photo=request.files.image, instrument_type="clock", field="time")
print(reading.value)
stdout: 7:19
